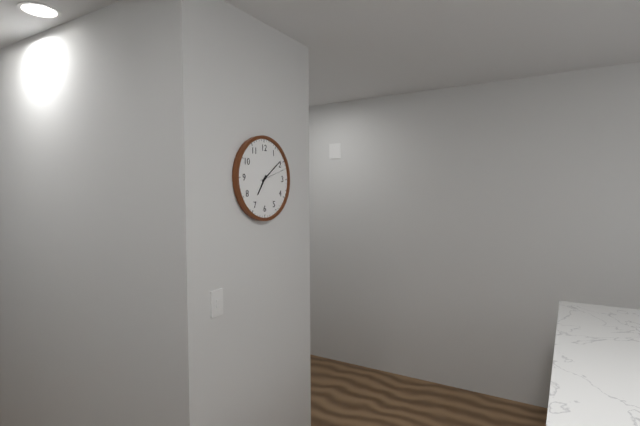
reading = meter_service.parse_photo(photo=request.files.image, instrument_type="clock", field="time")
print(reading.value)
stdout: 7:09
